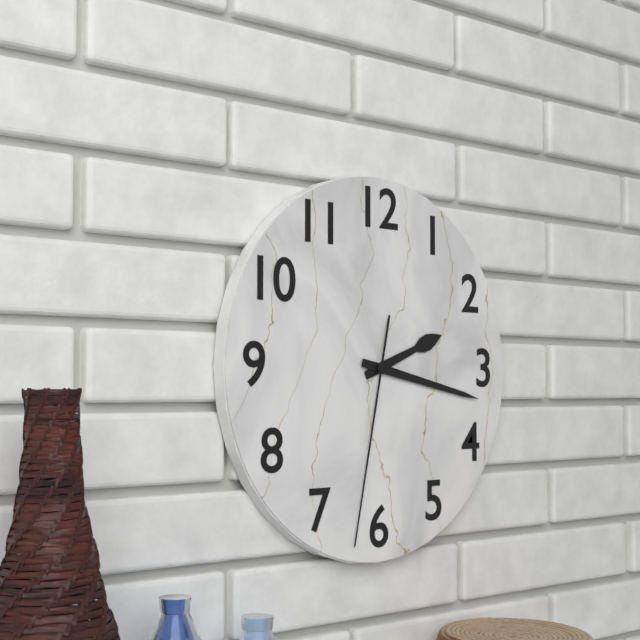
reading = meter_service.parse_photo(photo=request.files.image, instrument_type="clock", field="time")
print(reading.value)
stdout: 2:17:32
